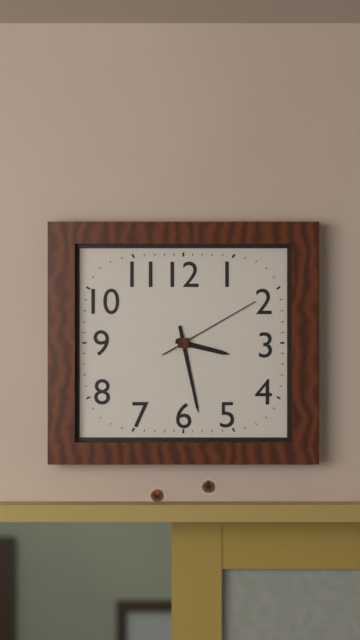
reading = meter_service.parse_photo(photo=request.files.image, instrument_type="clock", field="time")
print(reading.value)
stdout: 3:28:10
